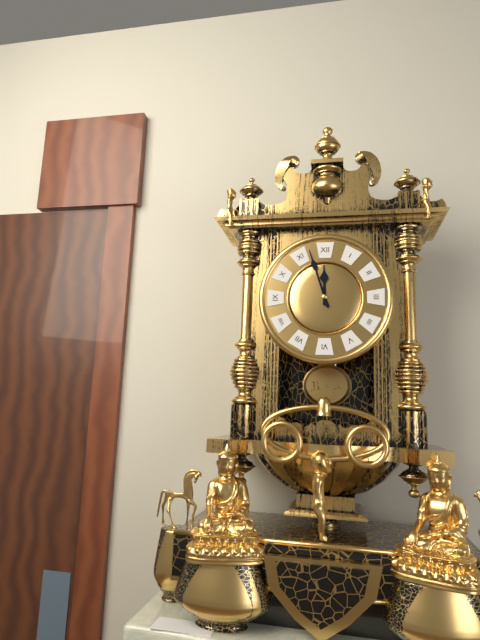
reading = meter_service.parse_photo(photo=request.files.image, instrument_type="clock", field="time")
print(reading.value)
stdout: 11:57
